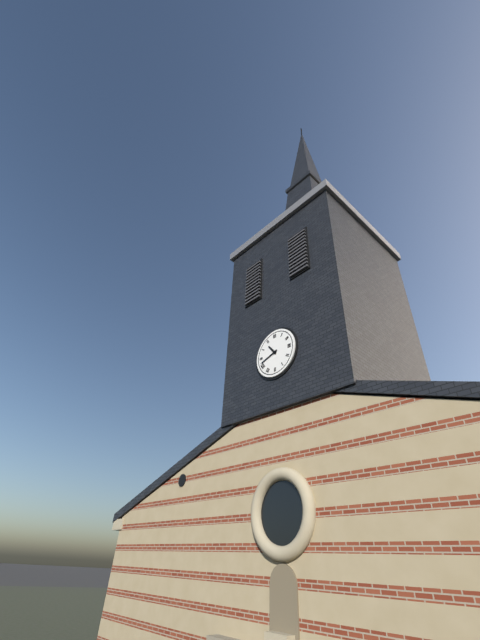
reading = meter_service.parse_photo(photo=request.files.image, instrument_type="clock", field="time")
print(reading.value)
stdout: 10:42
